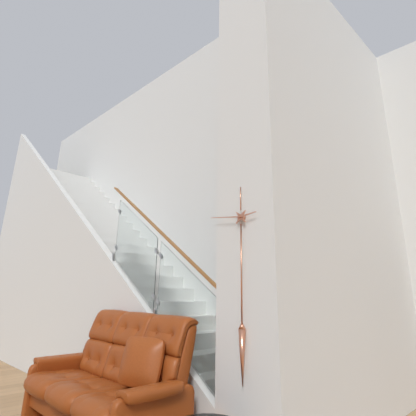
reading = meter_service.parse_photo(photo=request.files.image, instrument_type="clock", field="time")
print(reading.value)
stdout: 2:46
